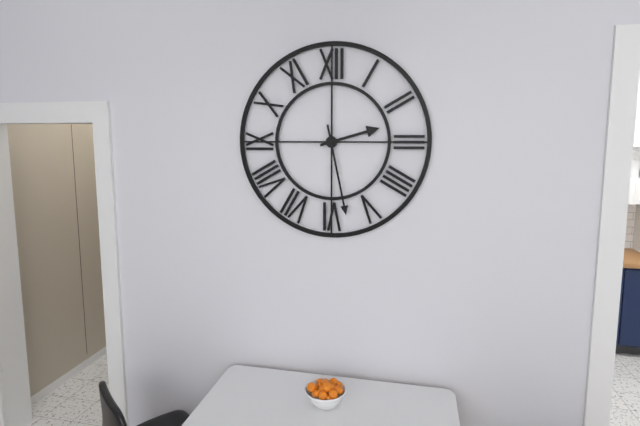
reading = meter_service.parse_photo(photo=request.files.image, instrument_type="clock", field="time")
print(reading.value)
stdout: 2:28
